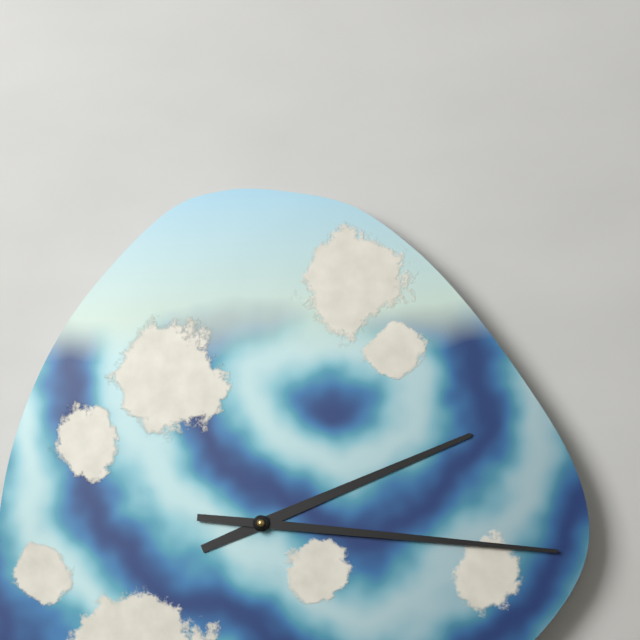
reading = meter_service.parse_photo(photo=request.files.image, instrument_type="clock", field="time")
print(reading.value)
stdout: 2:16
